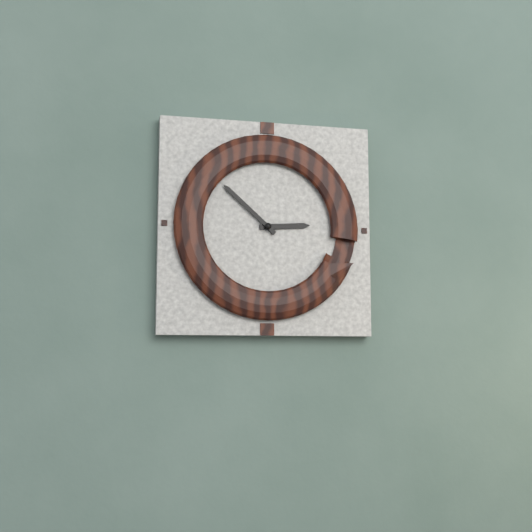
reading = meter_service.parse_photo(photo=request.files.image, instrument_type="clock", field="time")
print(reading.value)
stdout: 2:52
